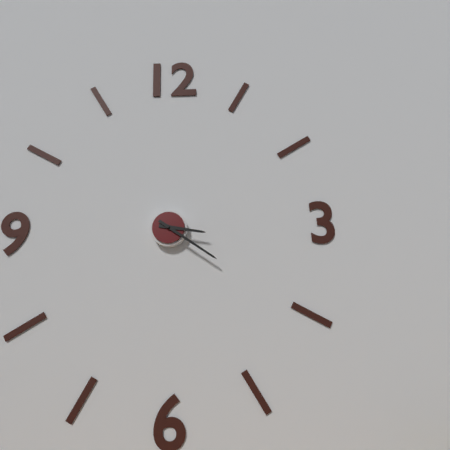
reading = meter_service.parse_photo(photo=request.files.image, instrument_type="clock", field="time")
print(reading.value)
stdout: 3:21
